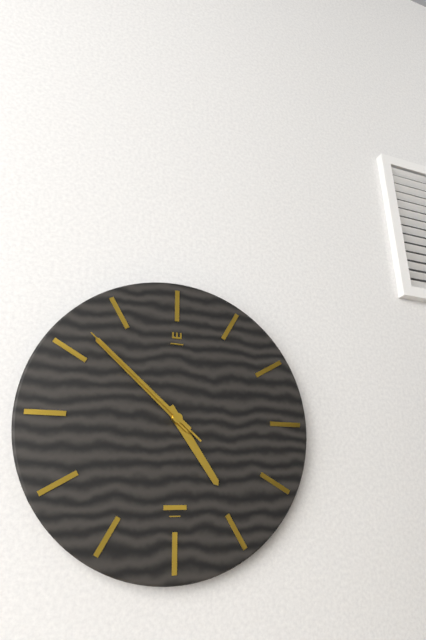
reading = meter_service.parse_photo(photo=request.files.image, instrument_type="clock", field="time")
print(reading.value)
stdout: 4:52:52
